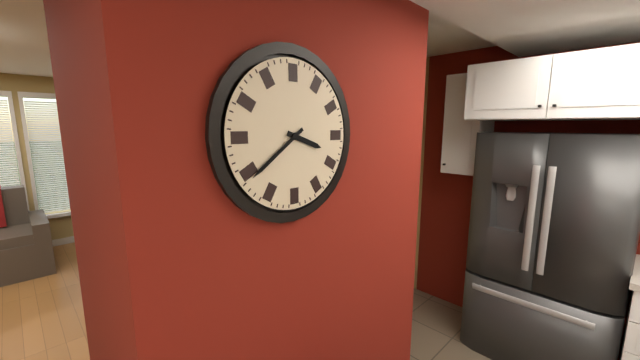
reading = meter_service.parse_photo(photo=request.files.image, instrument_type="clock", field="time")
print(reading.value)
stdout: 3:39
